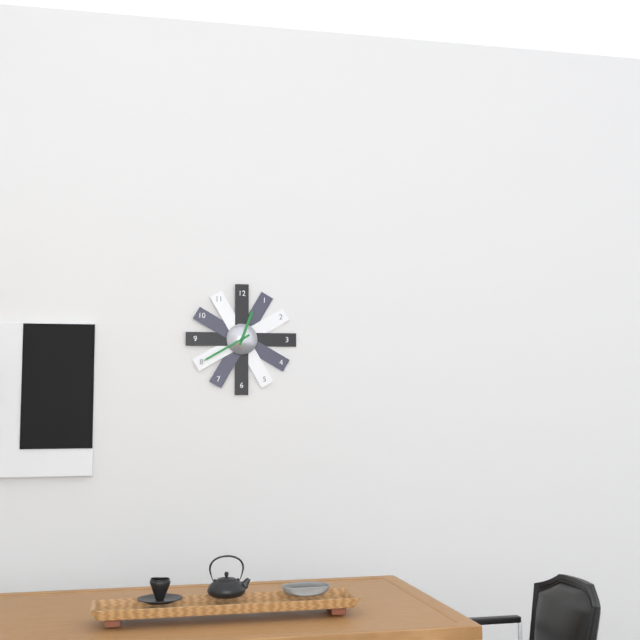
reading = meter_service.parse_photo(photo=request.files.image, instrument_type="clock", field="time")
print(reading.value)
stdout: 12:40
